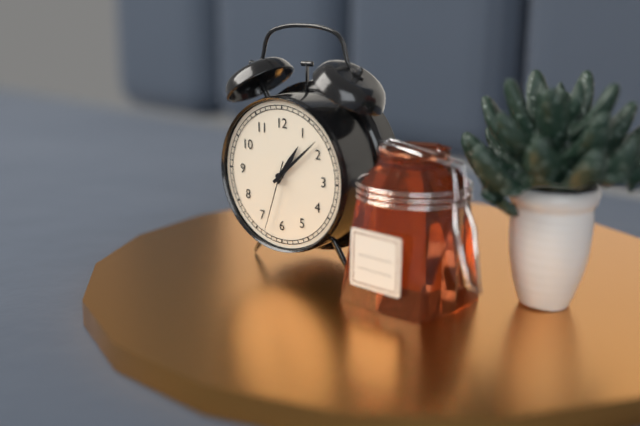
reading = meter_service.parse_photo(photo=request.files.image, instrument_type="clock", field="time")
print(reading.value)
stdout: 1:08:33
